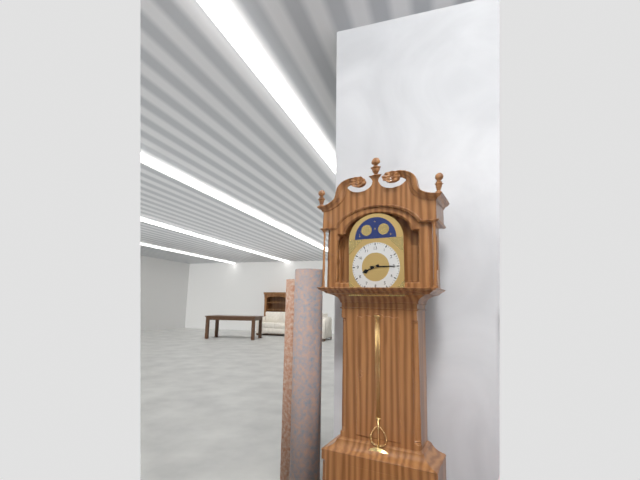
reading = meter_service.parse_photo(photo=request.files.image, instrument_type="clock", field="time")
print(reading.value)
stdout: 8:15
